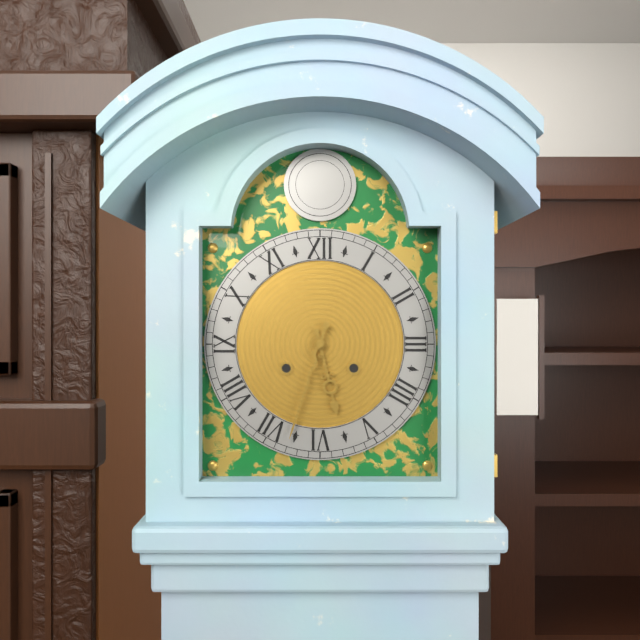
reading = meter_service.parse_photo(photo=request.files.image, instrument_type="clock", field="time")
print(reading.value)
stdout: 5:33
